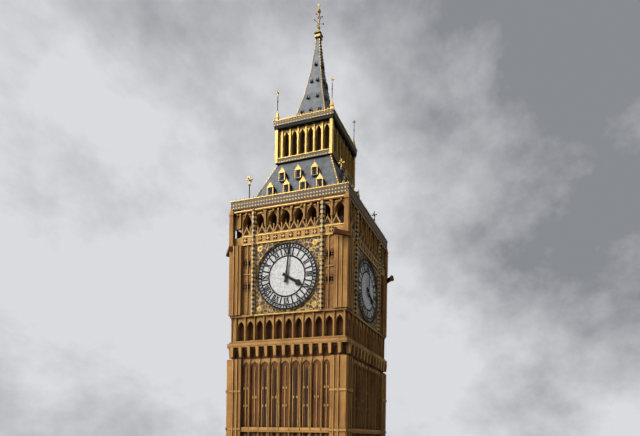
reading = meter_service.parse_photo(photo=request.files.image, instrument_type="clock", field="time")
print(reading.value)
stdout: 4:01
